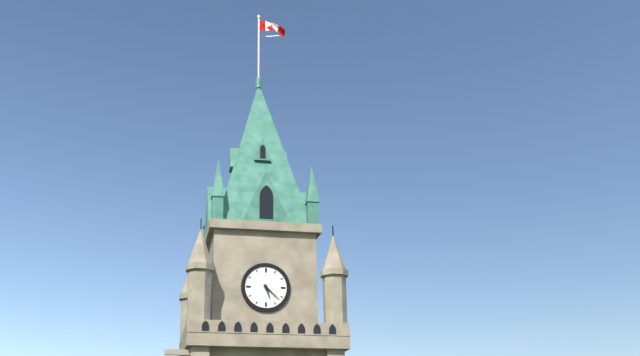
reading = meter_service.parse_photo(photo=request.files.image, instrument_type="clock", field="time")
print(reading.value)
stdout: 5:22
